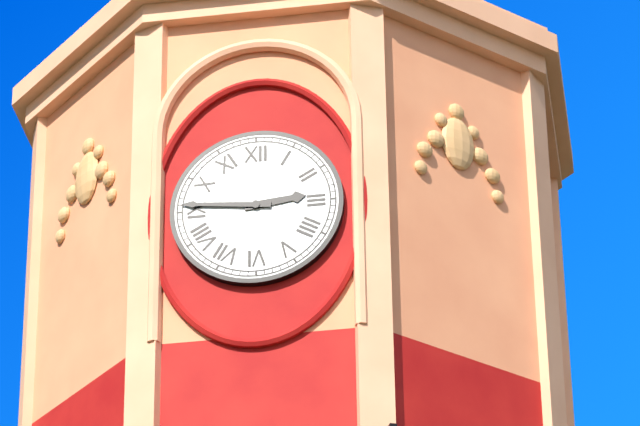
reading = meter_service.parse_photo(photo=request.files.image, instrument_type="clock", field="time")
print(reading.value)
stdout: 2:46
